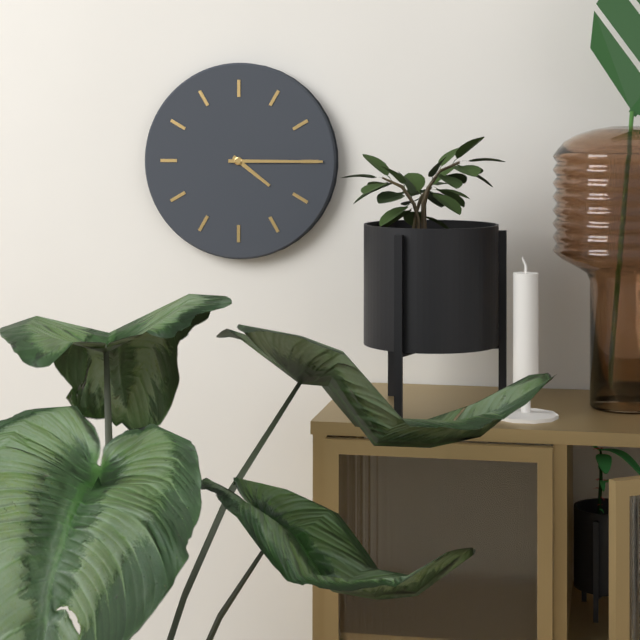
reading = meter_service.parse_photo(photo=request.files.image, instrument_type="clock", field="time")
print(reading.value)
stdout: 4:15
